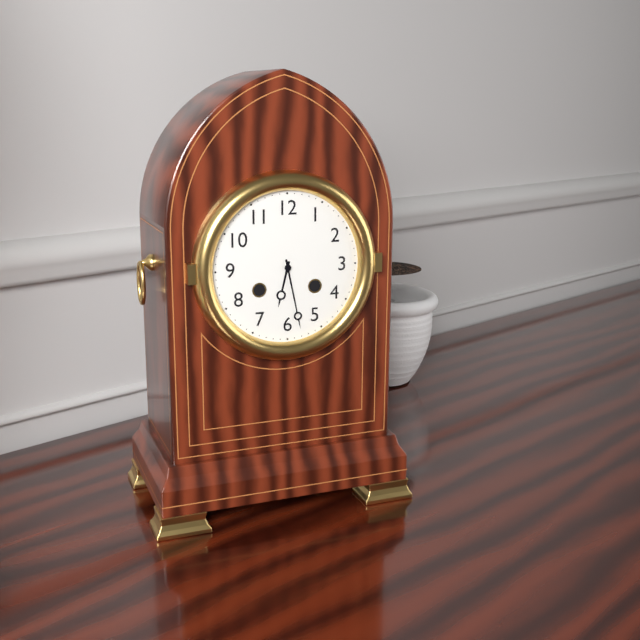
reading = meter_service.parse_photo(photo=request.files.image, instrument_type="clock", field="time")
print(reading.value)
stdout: 6:28
